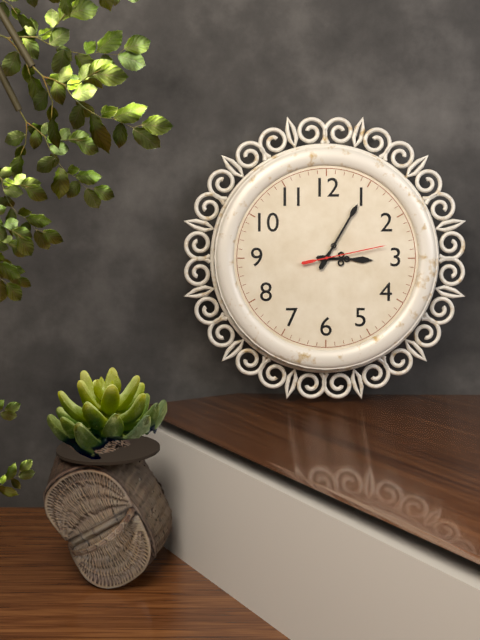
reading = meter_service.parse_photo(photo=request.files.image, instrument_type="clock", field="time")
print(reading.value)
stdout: 3:05:13
